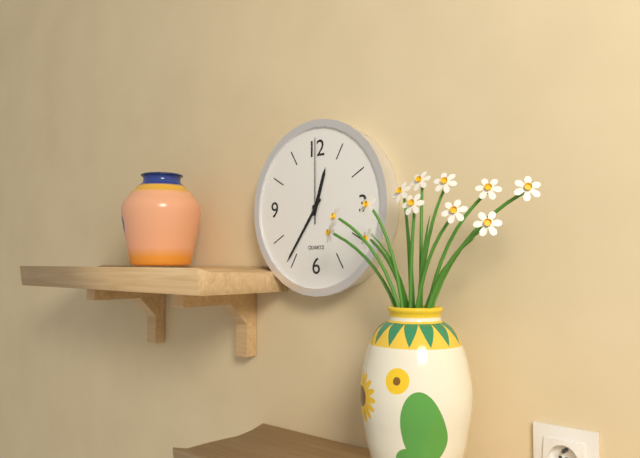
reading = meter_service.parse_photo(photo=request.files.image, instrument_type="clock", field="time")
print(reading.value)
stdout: 12:36:00
